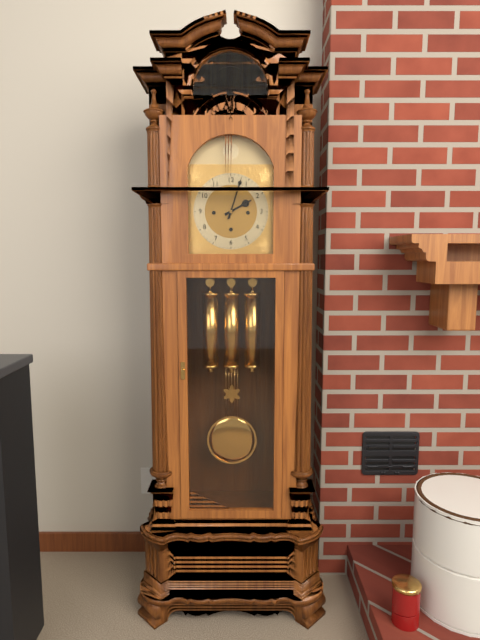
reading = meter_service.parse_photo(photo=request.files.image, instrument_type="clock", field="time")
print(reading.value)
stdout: 2:03
